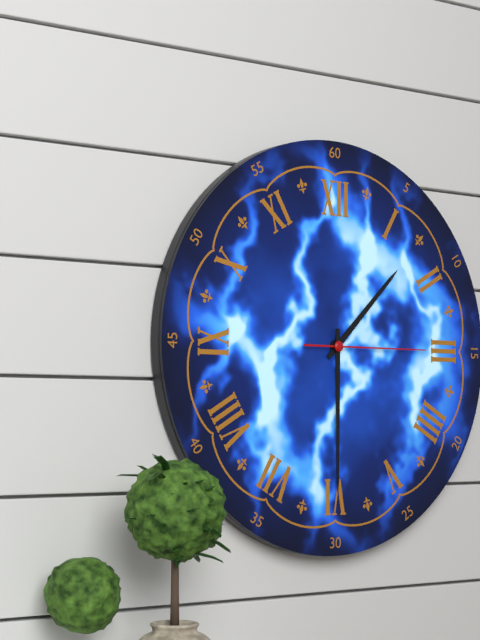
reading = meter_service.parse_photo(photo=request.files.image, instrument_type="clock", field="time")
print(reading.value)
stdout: 1:30:15
